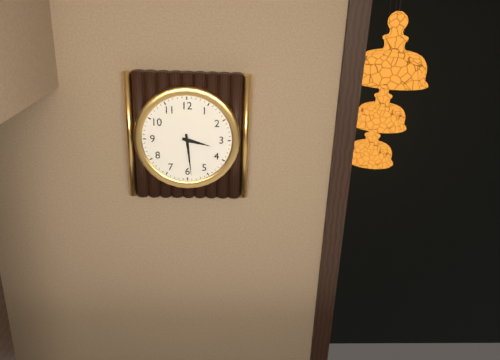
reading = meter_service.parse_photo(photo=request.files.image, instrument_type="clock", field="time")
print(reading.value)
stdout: 3:29
